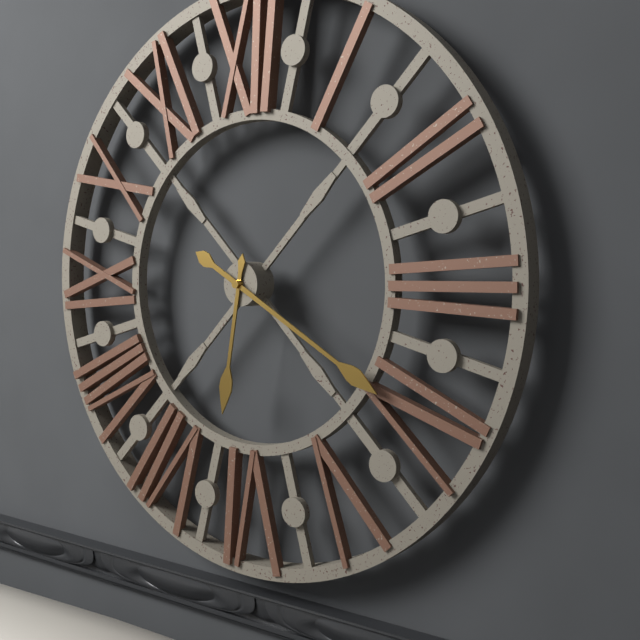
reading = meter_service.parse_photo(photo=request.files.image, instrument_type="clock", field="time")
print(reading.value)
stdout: 6:20
